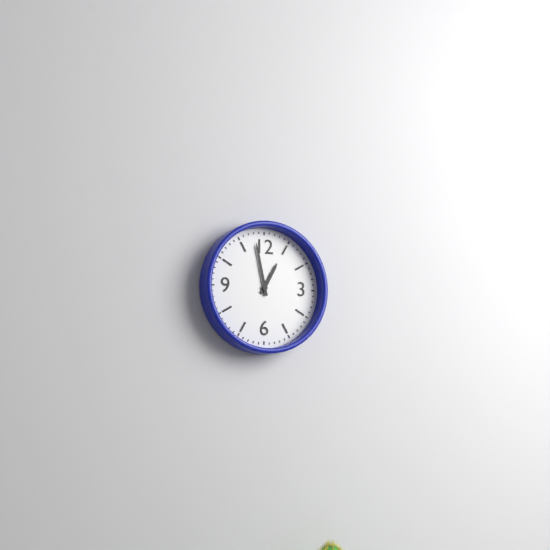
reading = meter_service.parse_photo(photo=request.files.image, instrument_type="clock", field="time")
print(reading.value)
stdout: 12:58
